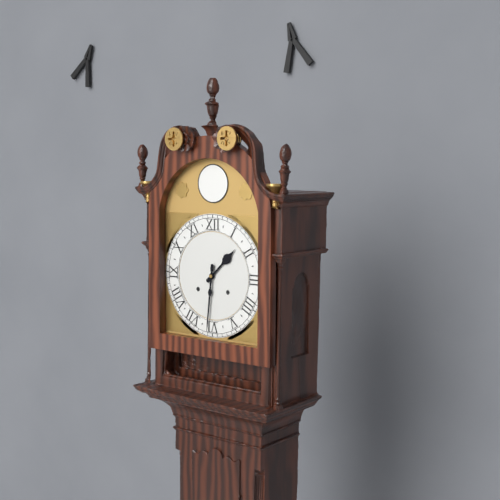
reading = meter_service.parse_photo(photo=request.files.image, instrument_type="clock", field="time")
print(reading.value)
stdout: 1:31
